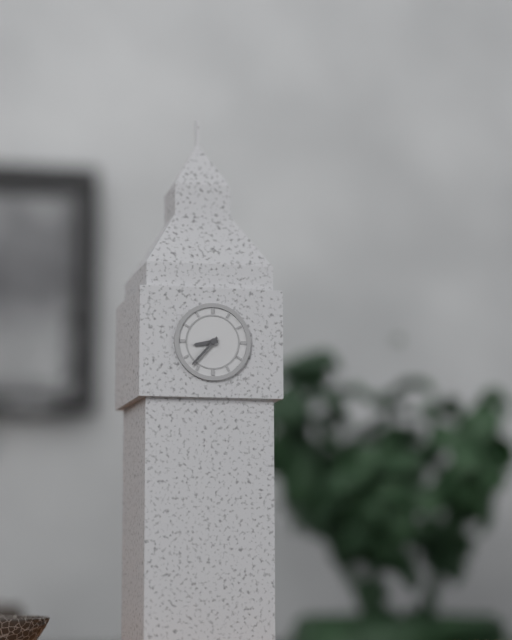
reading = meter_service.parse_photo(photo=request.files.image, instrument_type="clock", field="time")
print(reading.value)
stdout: 8:37
